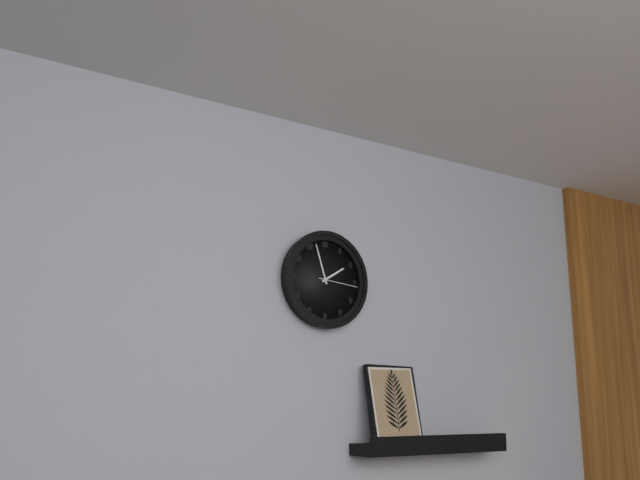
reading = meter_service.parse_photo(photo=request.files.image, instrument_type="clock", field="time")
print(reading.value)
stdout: 1:57
